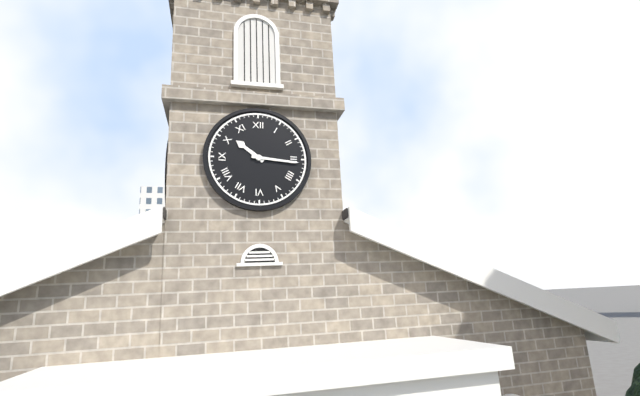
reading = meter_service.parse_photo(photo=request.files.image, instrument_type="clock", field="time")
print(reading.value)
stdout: 10:16
